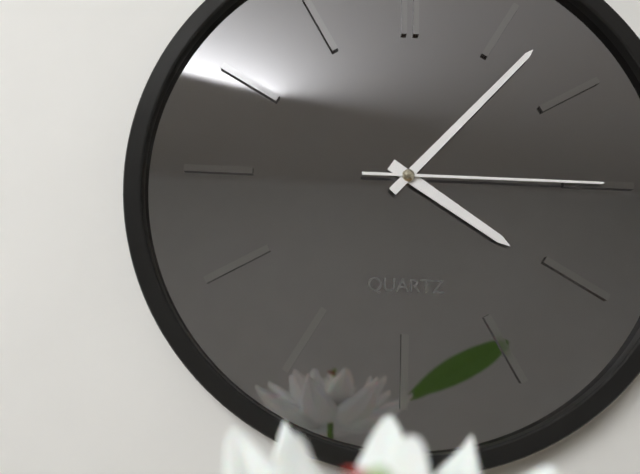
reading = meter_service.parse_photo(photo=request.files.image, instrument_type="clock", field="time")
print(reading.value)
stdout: 4:07:15
